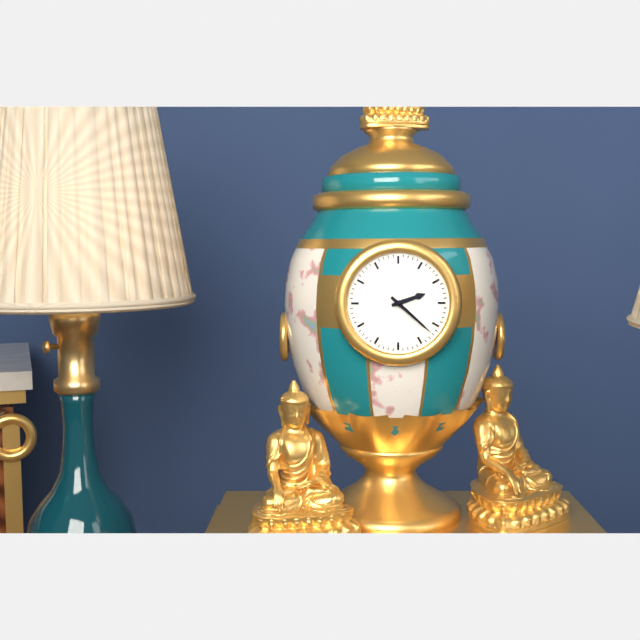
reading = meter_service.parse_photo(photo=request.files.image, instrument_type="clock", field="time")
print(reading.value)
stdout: 2:22
